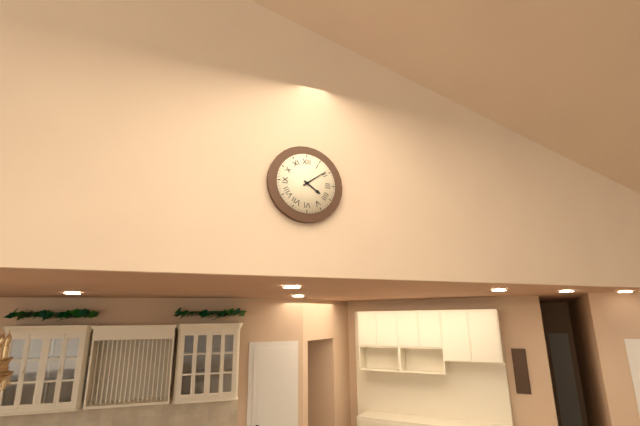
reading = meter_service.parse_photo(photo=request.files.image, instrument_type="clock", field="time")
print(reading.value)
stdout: 4:09
